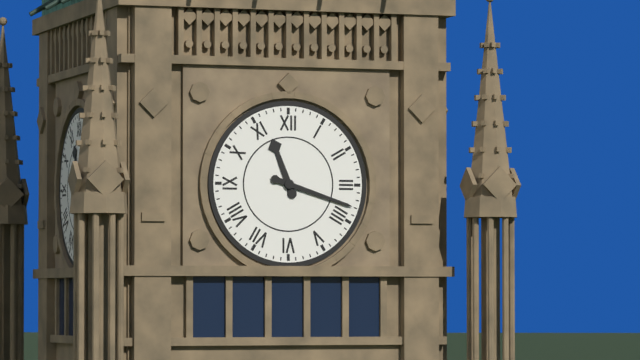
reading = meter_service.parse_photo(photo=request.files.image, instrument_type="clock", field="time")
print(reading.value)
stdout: 11:18
